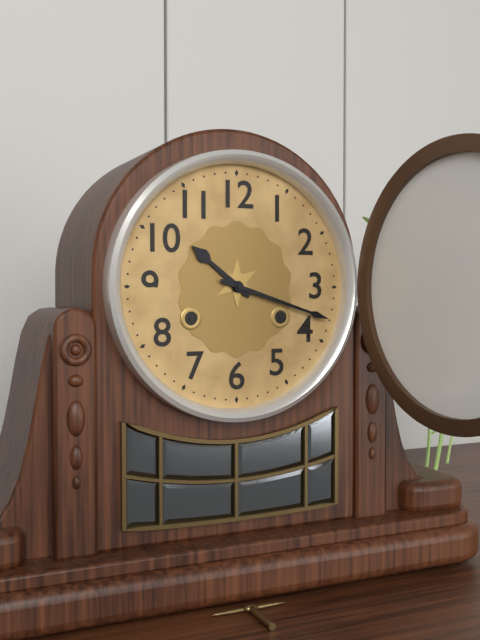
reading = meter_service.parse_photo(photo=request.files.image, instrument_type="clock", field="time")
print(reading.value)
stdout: 10:18
